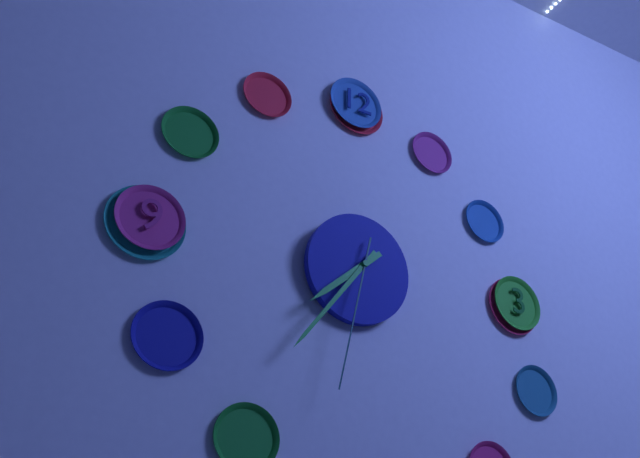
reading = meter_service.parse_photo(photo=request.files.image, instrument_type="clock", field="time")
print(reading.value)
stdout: 7:36:32
